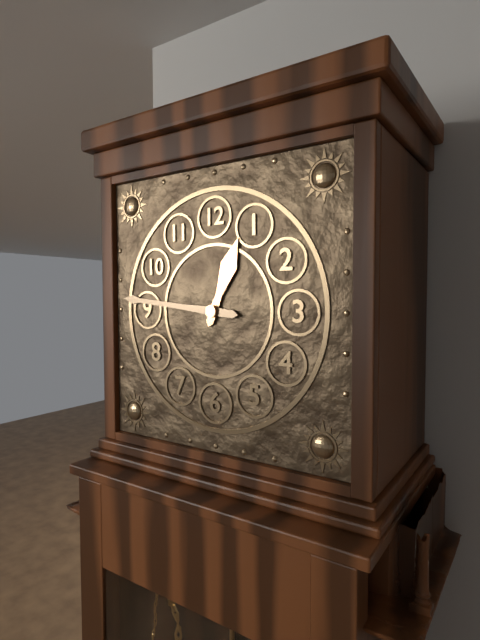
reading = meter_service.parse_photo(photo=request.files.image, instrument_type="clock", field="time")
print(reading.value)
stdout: 12:46
